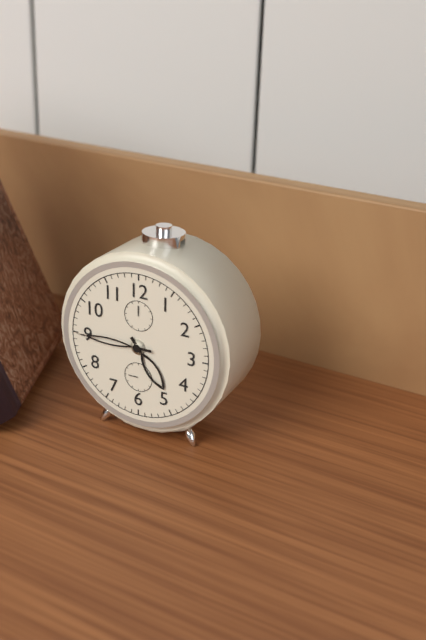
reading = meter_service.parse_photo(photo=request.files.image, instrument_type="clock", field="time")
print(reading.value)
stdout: 4:45
